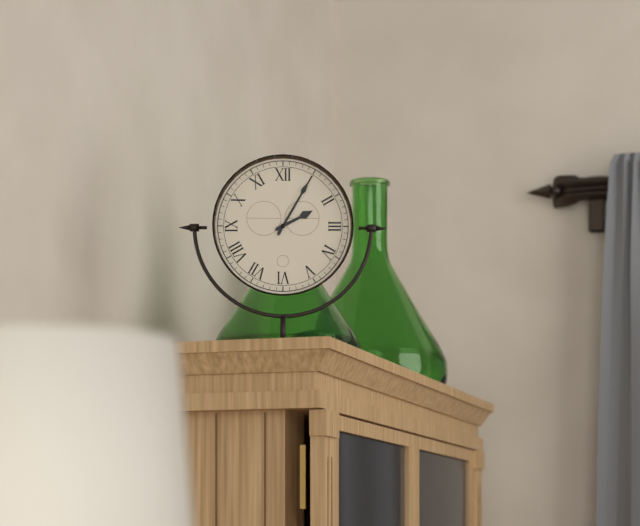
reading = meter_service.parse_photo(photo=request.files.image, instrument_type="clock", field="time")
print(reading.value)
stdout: 2:05
